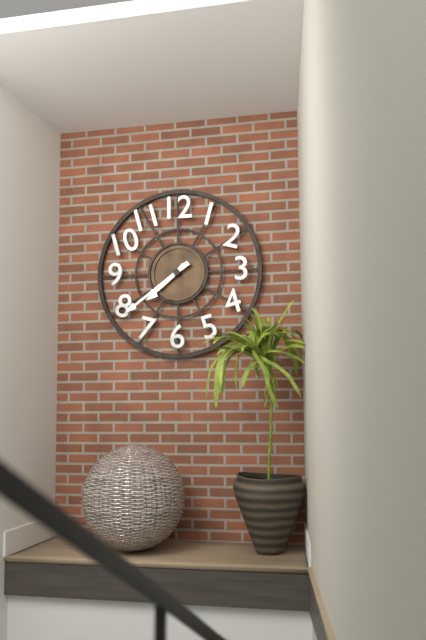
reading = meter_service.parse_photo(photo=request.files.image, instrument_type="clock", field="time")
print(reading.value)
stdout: 7:39
